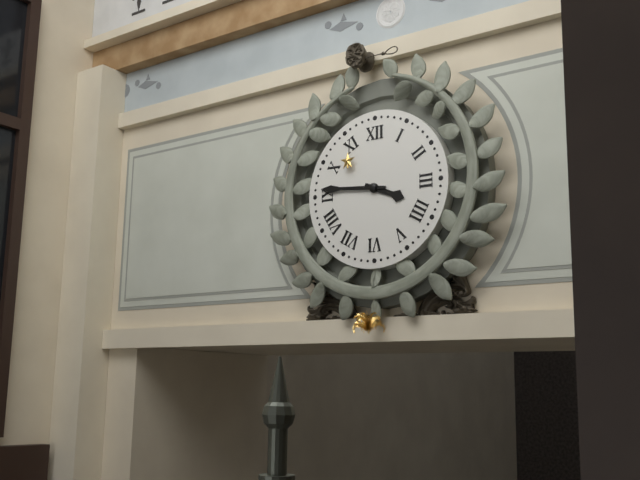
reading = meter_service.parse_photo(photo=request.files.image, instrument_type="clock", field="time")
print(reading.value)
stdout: 3:46
